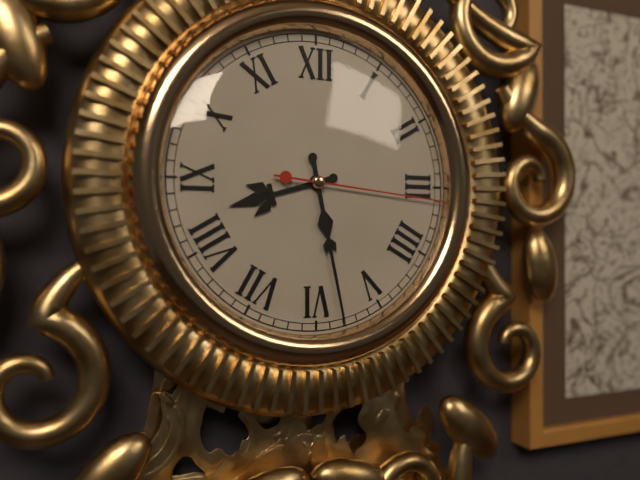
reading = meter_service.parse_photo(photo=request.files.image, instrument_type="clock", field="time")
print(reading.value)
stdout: 8:28:16
